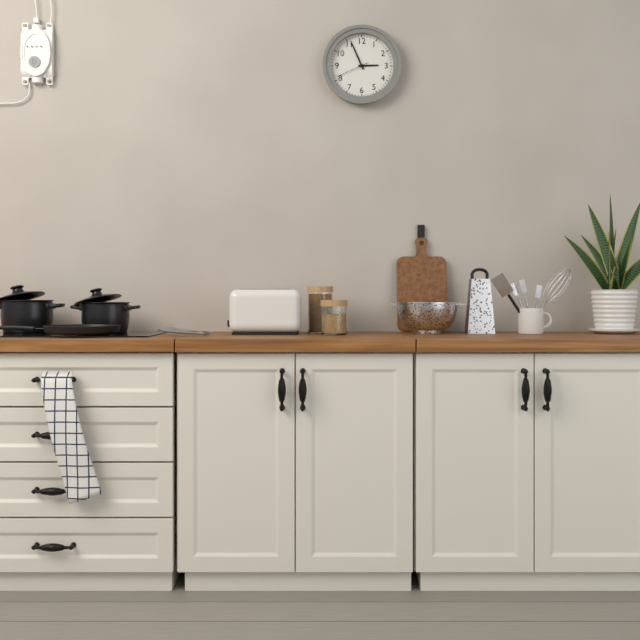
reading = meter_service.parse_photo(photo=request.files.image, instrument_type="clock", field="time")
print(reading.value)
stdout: 2:56
